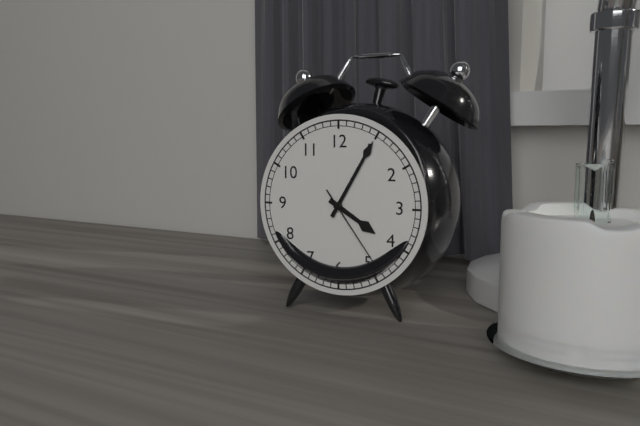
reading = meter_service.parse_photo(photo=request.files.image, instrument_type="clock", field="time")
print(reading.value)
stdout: 4:05:24
